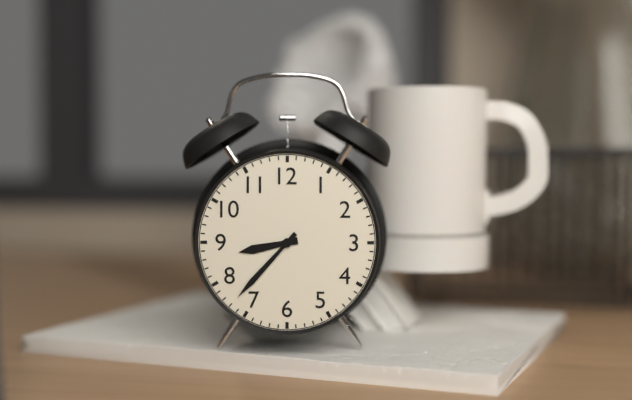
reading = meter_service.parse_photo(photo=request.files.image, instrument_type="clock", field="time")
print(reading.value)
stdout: 8:37
